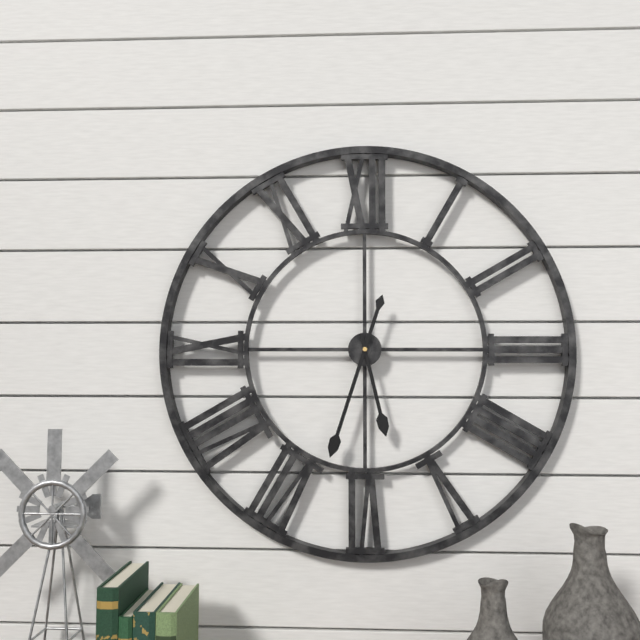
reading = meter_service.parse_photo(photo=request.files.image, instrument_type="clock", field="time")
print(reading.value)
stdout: 5:33
